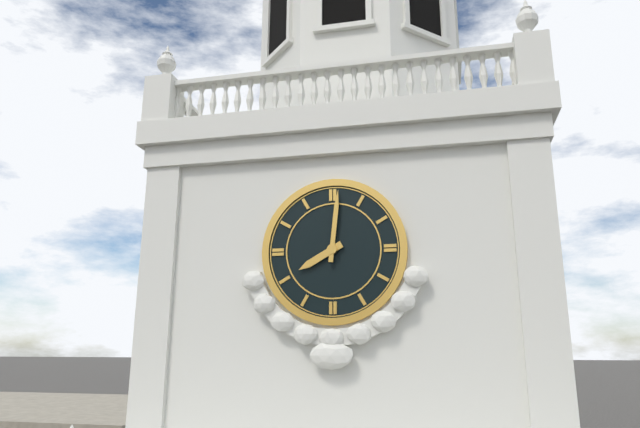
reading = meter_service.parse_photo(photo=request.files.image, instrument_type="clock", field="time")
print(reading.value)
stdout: 8:01
